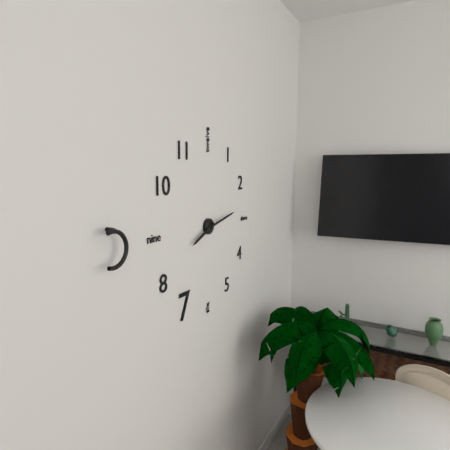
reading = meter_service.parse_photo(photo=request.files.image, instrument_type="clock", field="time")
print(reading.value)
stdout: 8:13
